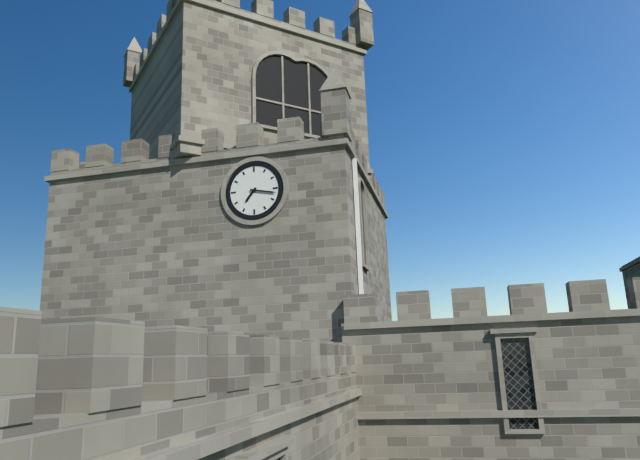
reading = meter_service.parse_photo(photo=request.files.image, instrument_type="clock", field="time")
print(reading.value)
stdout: 7:17
